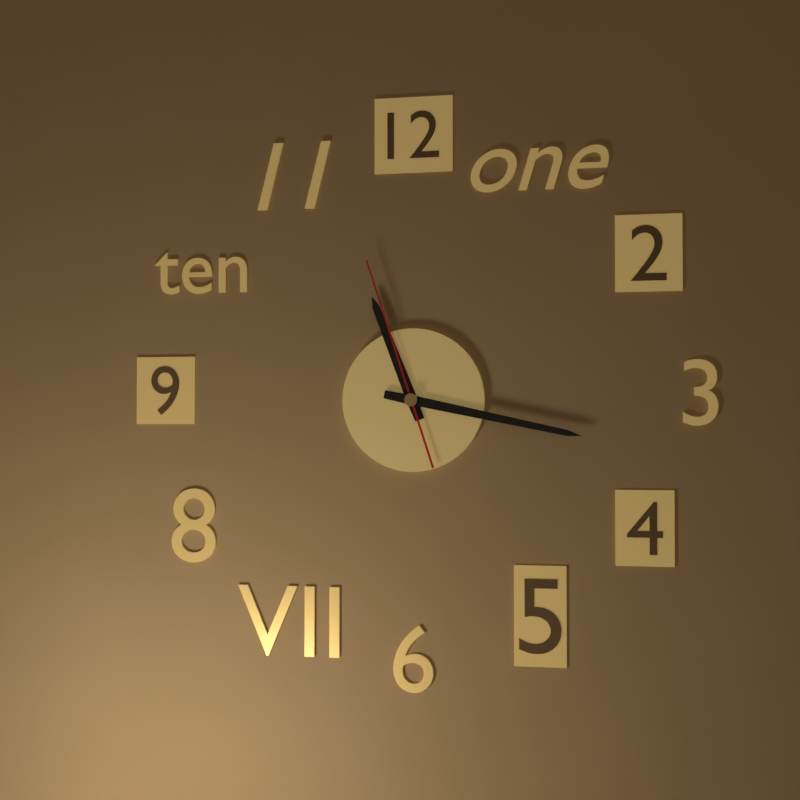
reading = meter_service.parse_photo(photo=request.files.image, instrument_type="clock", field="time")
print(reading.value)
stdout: 11:17:57
